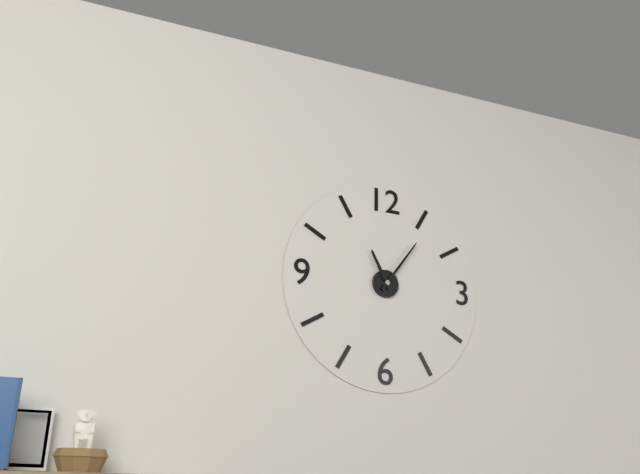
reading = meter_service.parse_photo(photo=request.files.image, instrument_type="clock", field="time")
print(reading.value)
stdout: 11:06
